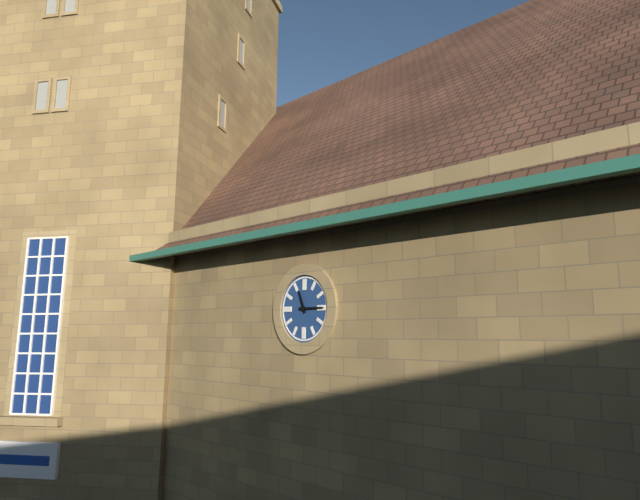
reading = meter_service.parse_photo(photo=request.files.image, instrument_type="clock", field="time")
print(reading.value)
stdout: 11:15
